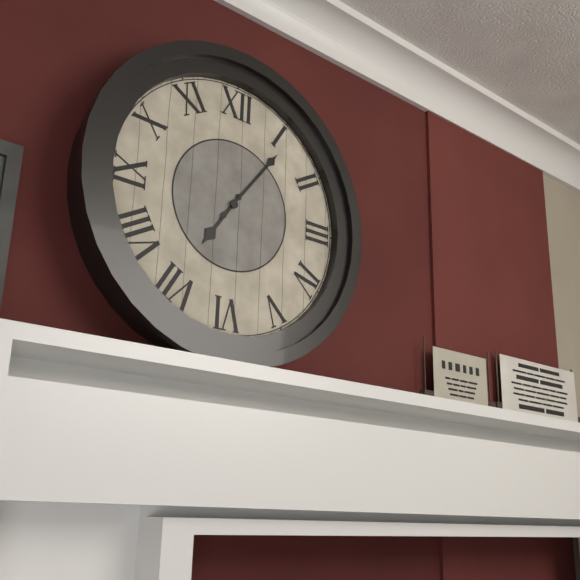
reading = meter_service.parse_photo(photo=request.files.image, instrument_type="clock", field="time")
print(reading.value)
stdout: 7:06
